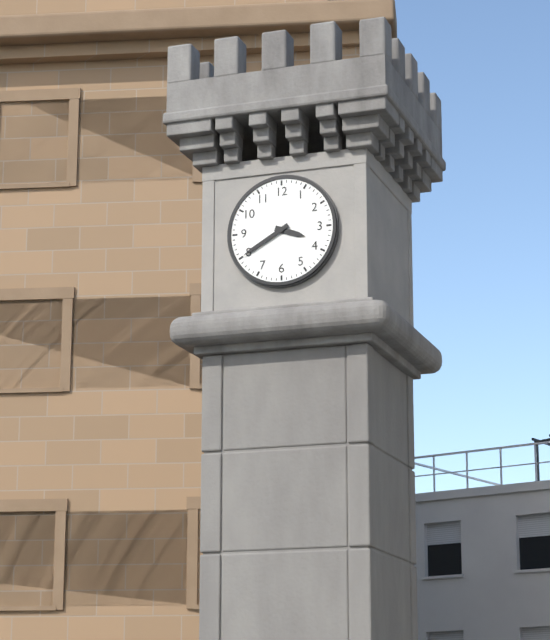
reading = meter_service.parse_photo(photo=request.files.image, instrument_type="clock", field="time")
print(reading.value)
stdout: 3:40
